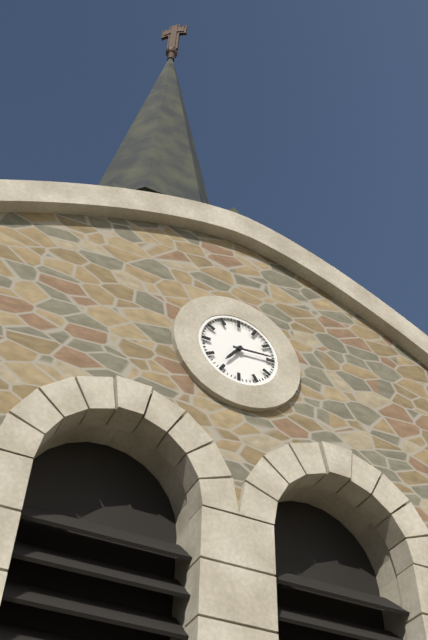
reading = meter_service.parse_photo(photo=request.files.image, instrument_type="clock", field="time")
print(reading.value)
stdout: 7:14
